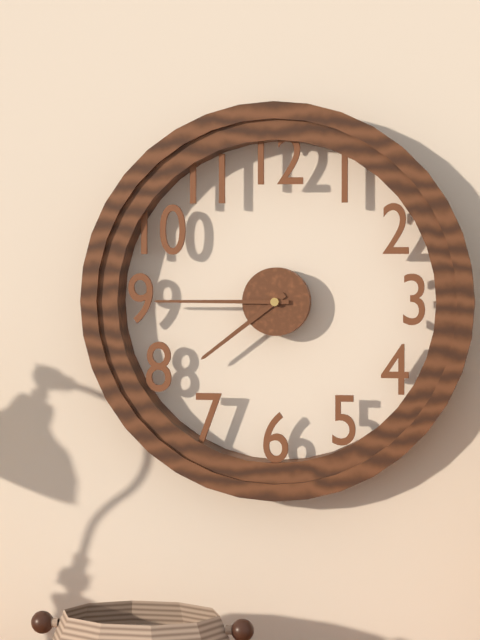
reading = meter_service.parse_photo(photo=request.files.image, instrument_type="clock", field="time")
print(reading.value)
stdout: 7:45
